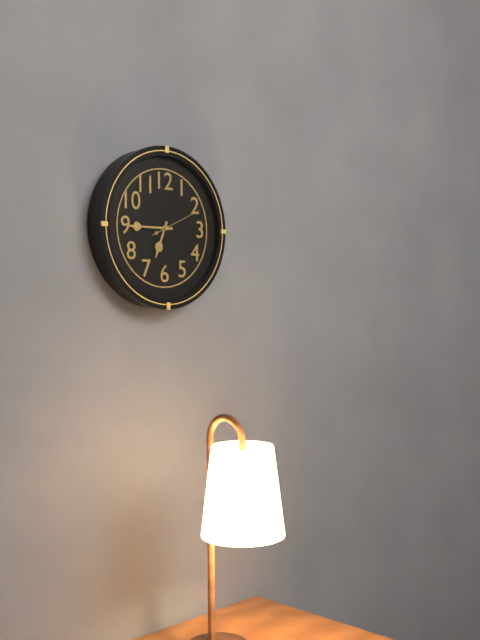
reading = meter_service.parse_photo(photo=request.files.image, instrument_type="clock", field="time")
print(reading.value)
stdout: 6:45:11
